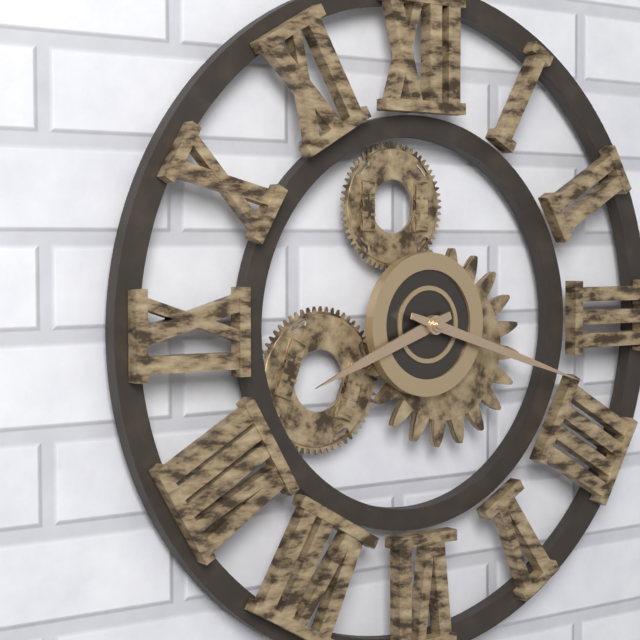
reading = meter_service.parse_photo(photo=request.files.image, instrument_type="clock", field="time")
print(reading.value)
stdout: 8:18
